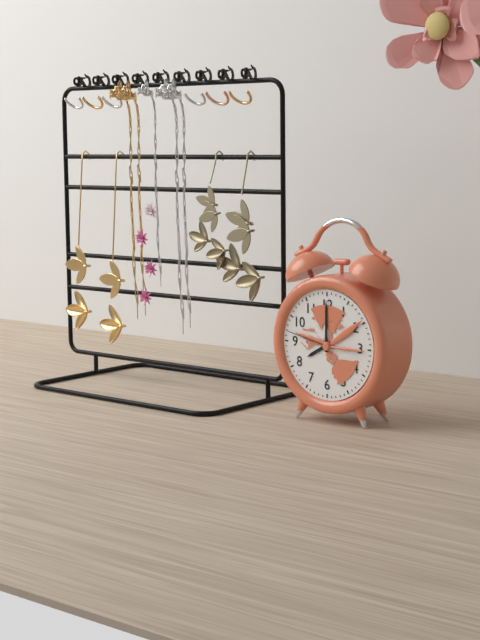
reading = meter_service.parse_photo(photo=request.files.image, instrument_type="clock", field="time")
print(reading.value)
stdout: 8:00:47
